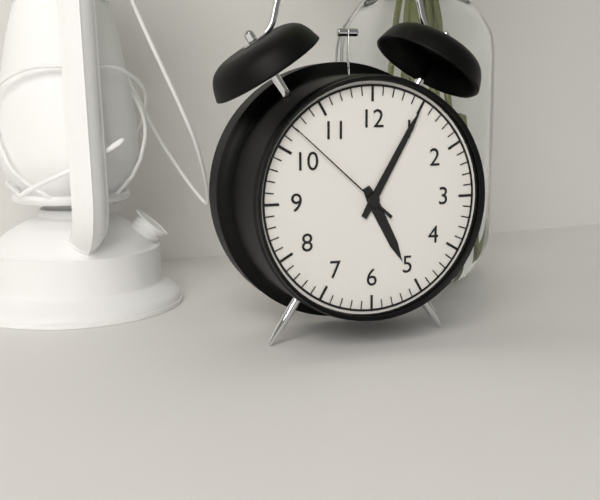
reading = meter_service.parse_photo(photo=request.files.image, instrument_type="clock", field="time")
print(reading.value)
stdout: 5:05:52
